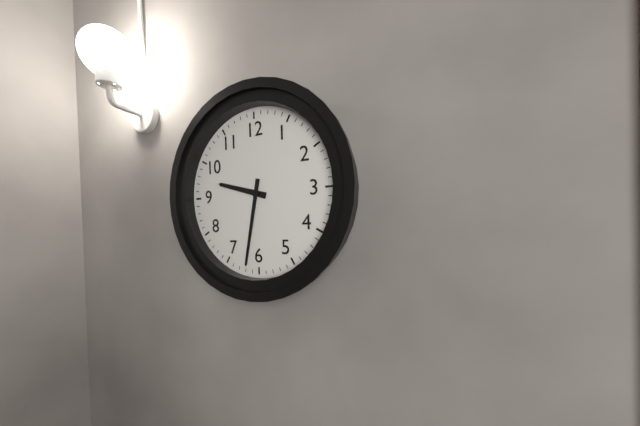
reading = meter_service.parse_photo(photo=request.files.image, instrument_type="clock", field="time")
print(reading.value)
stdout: 9:32
